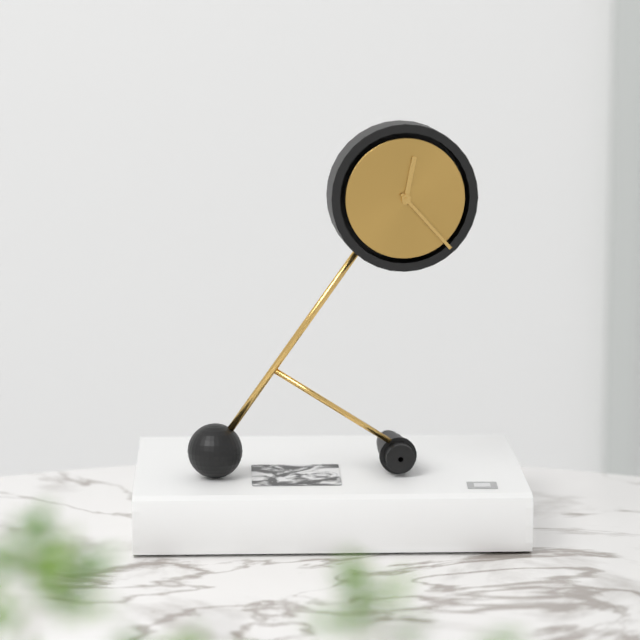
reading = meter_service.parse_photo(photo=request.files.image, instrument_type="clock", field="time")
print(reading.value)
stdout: 12:23
